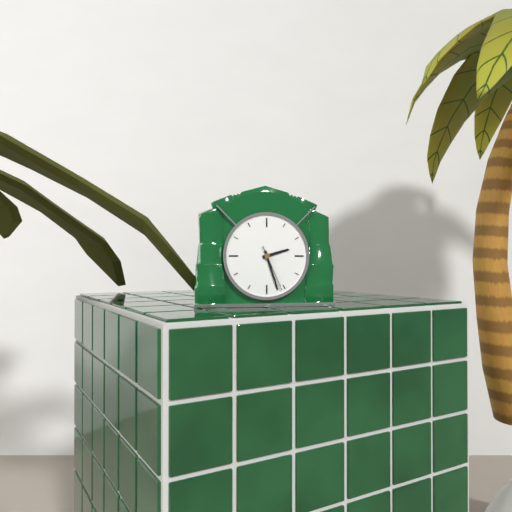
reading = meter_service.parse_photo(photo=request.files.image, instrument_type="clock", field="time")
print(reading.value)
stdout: 2:27
